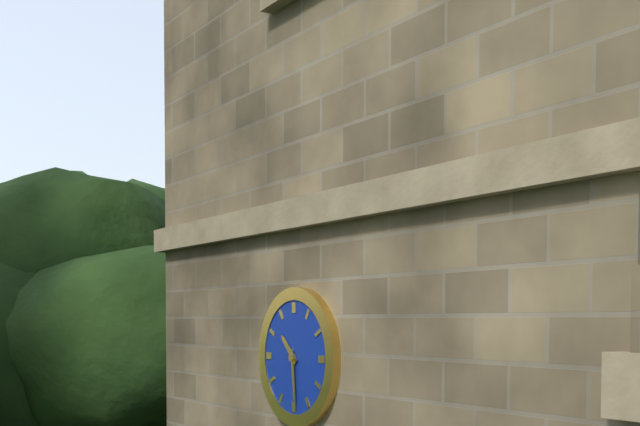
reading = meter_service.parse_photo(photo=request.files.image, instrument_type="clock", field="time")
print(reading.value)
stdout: 10:29
